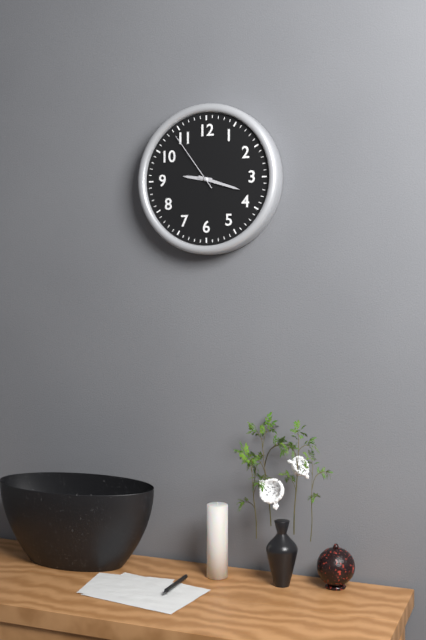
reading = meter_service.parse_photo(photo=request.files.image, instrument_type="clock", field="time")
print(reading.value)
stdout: 9:18:54
